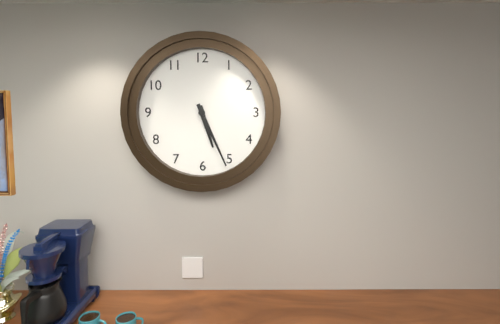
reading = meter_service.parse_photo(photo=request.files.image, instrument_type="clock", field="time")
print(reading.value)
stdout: 5:26
